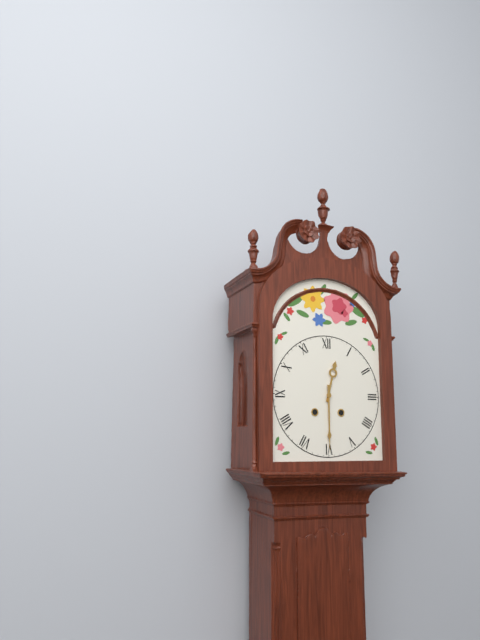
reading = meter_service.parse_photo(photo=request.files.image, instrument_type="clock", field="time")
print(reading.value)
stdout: 12:30
